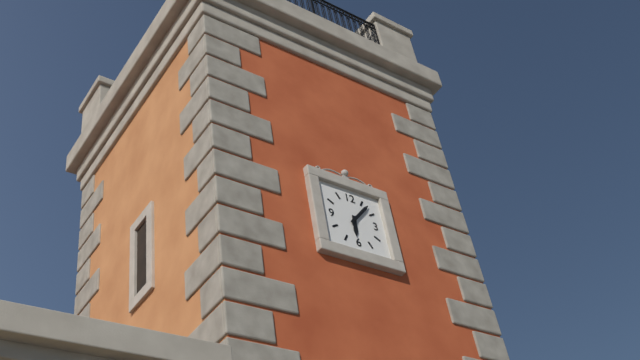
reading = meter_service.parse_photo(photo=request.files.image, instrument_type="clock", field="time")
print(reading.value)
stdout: 6:07
